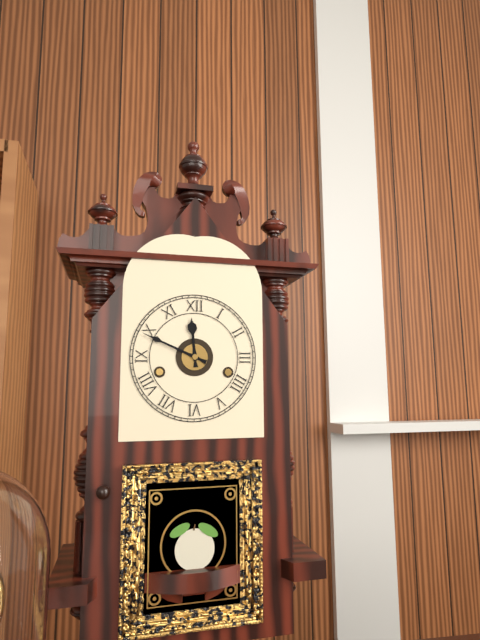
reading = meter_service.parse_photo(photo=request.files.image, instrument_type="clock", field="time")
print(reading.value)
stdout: 11:49
